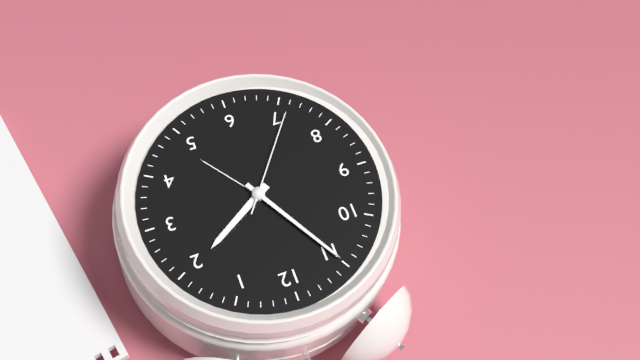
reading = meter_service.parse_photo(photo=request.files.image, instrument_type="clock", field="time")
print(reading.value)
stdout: 1:55:36
